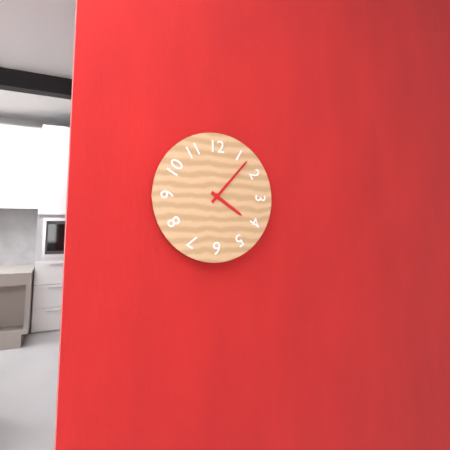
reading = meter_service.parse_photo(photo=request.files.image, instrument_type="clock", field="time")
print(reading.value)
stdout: 4:07
